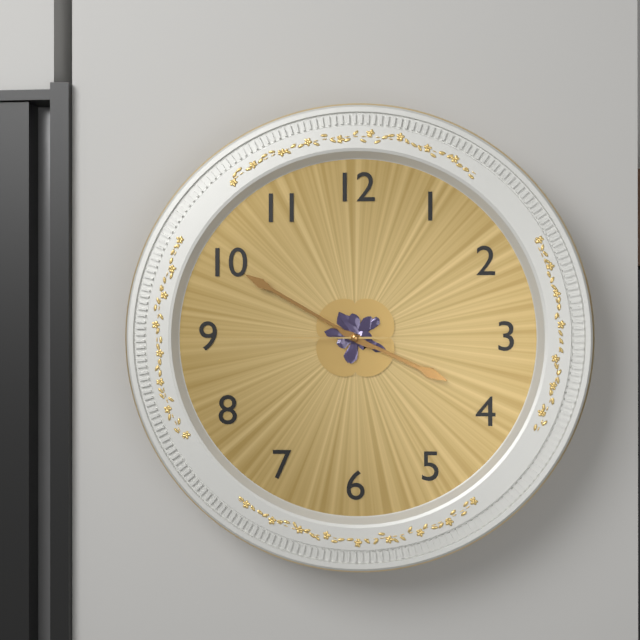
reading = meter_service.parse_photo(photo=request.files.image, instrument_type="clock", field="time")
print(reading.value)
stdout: 3:50:45
